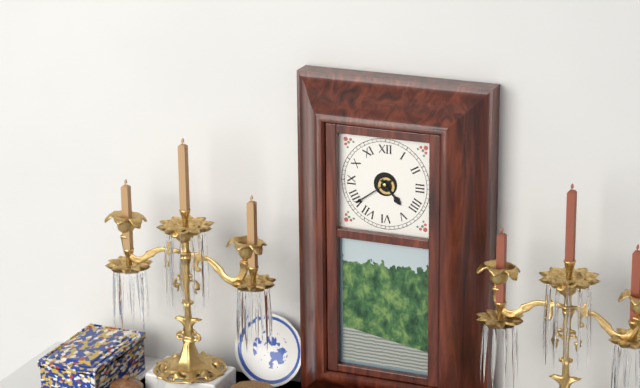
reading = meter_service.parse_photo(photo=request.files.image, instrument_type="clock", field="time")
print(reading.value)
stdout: 4:39
